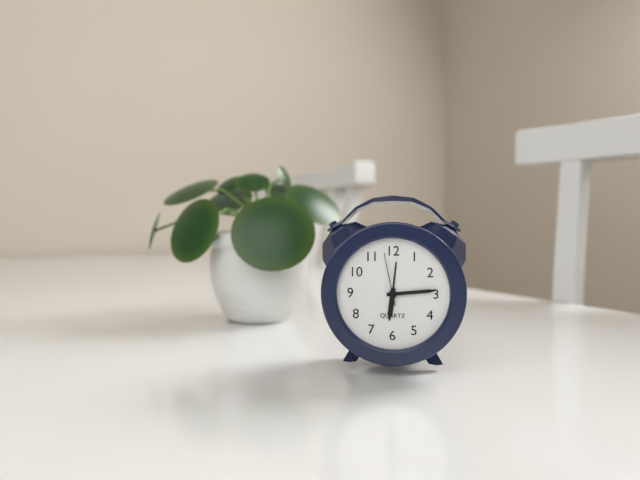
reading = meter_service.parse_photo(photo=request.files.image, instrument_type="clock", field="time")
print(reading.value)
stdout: 6:14:58
